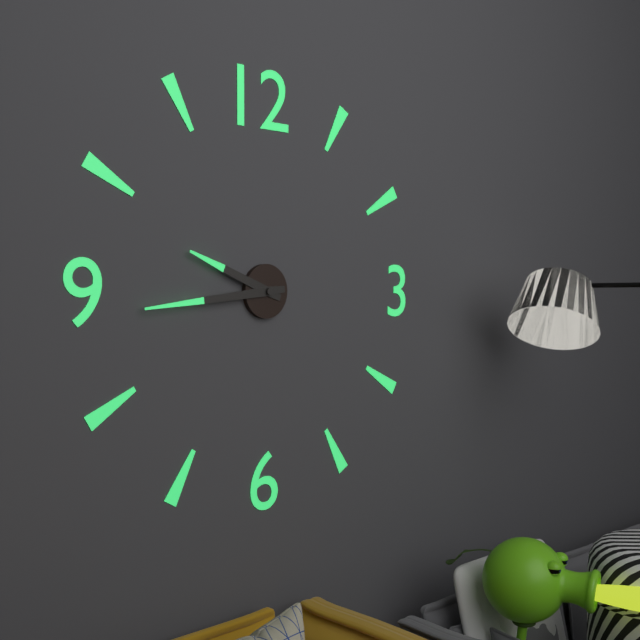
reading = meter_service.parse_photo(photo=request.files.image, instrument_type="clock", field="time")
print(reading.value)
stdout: 9:44
